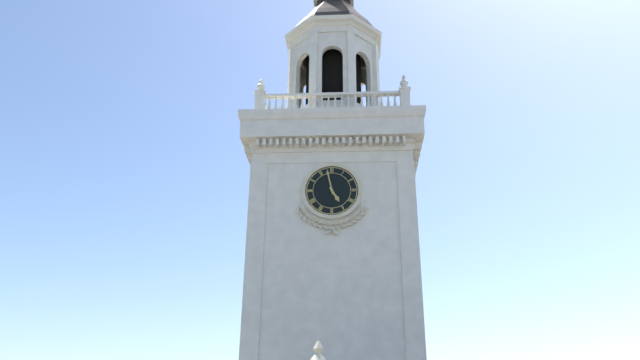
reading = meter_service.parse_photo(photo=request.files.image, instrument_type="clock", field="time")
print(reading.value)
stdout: 4:58
